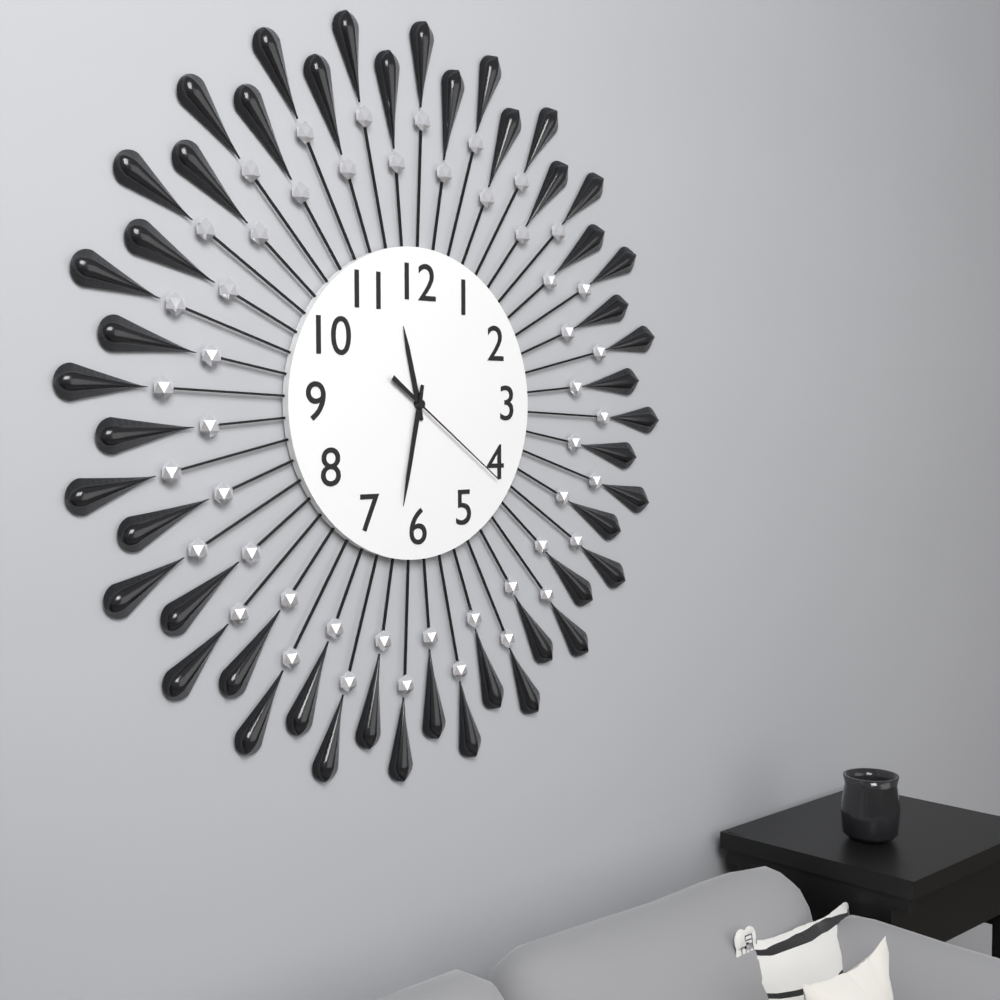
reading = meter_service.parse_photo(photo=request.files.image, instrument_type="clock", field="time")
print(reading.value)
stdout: 11:32:21
